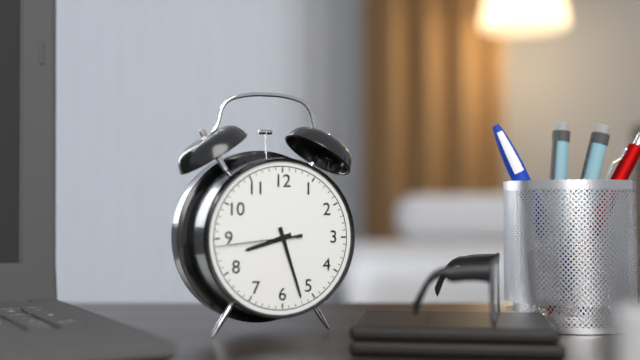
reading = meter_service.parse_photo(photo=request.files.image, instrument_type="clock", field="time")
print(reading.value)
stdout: 8:27:44
